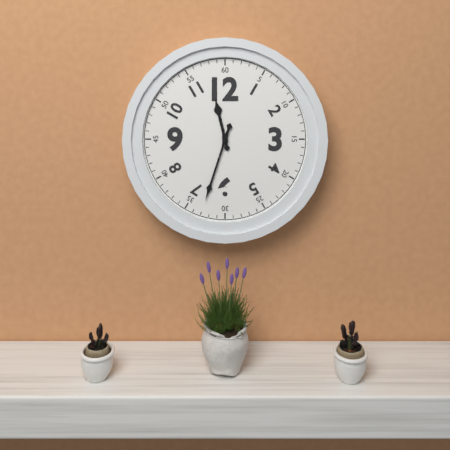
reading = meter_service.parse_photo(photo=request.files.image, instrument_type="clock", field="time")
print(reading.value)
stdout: 11:33
